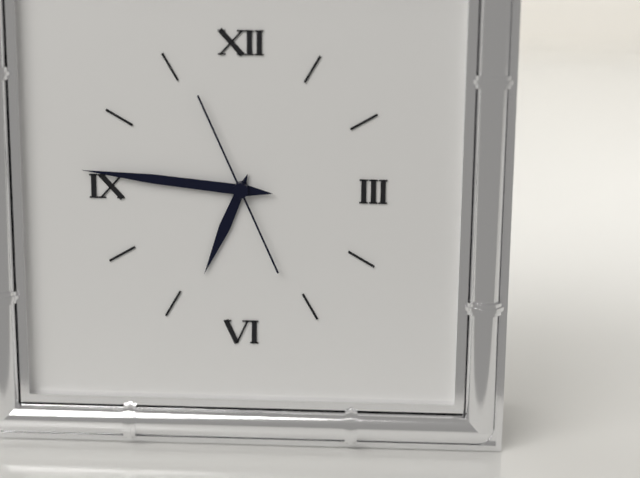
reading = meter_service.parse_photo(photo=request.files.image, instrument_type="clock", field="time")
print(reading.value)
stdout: 6:46:56
